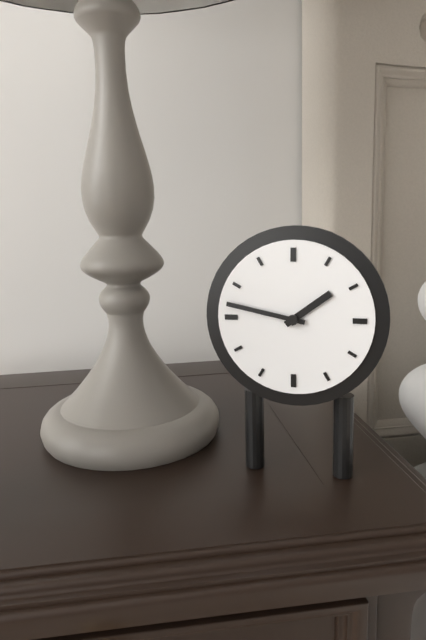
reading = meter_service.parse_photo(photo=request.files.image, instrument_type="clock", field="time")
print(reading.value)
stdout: 1:47
